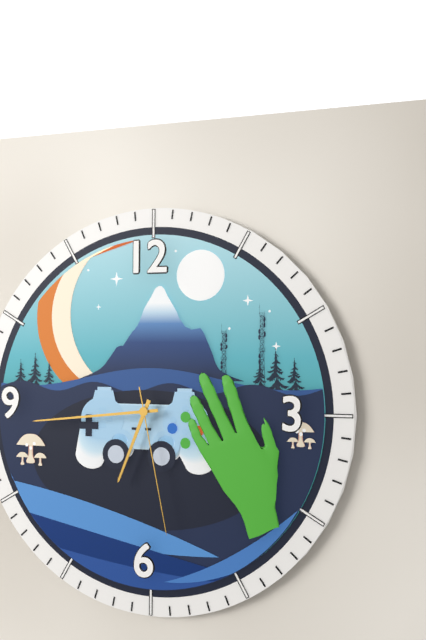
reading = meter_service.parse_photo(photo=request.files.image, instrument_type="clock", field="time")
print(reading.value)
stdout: 6:44:28
